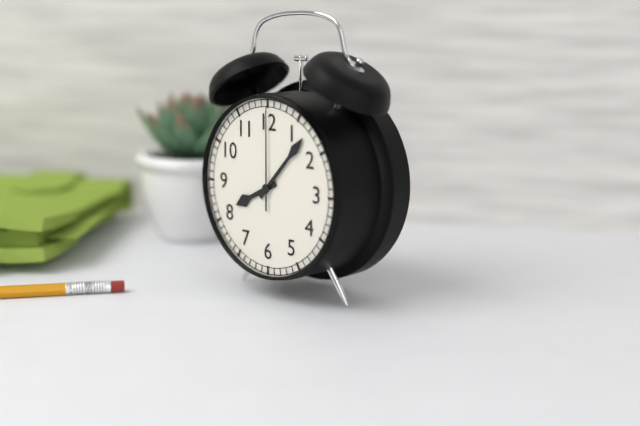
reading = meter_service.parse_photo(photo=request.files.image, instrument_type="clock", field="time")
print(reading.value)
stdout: 8:07:00
